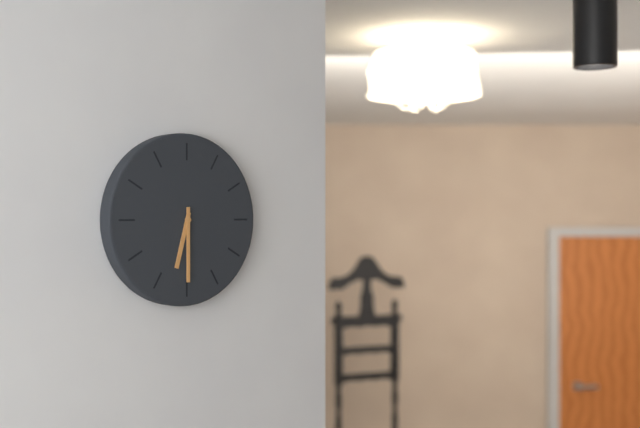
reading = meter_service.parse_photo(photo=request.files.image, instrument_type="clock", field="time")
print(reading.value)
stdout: 6:30
